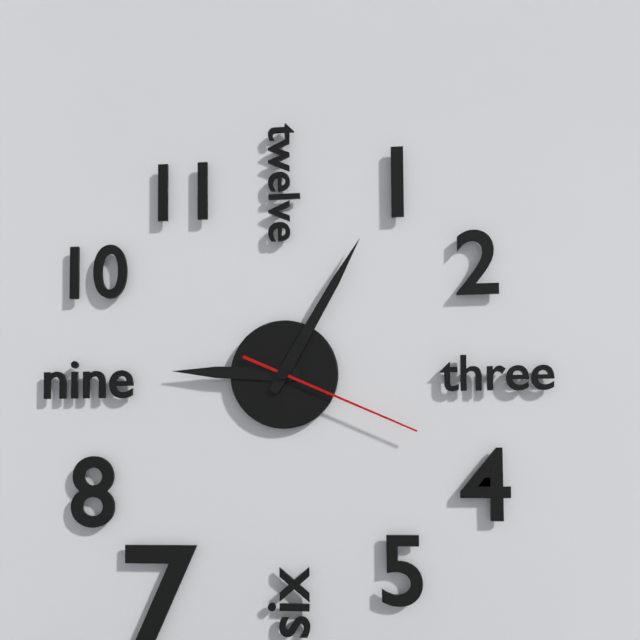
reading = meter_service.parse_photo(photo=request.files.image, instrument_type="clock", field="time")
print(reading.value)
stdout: 9:05:19
